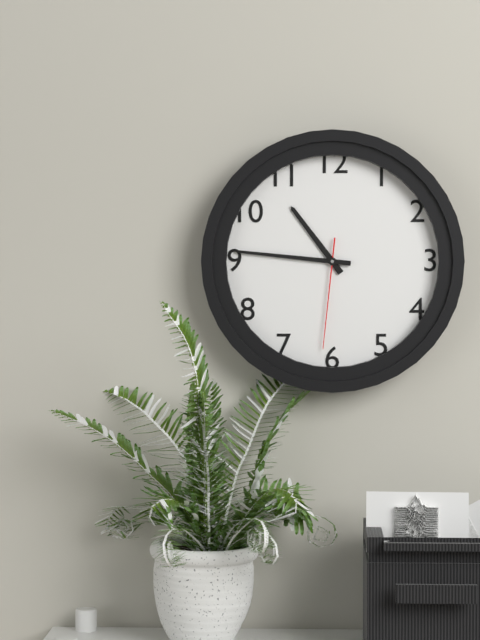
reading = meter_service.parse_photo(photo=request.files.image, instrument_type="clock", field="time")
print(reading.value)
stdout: 10:46:31
